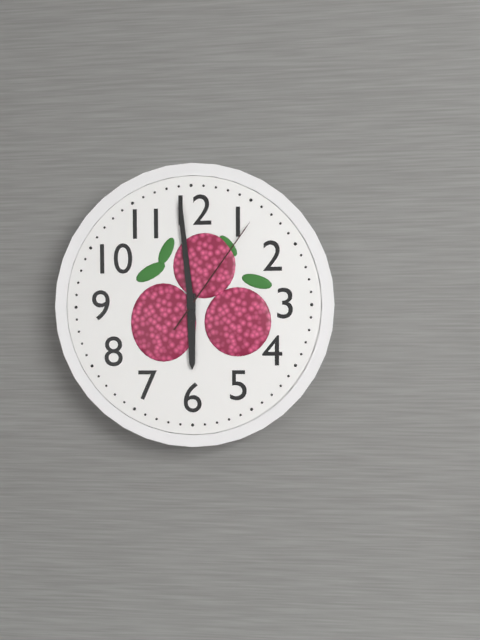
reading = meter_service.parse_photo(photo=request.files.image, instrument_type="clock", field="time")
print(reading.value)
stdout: 5:59:06
